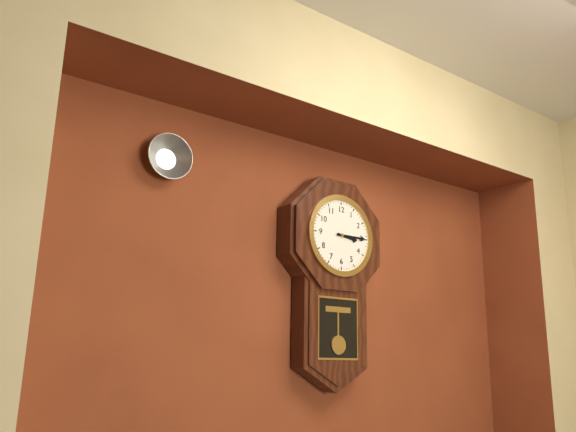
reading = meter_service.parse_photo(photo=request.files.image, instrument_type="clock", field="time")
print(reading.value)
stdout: 3:15
